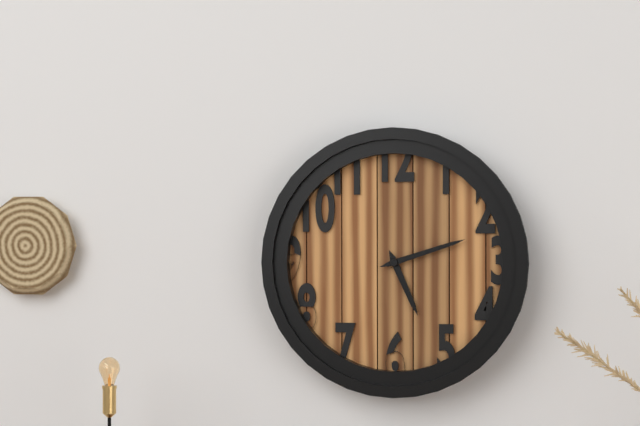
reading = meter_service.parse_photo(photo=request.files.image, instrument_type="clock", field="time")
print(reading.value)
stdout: 5:12
